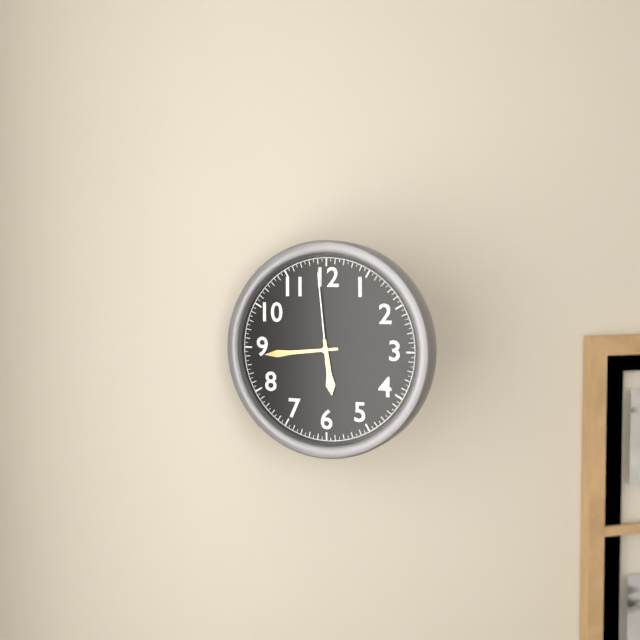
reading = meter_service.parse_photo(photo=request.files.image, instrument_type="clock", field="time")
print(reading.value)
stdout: 5:44:59
